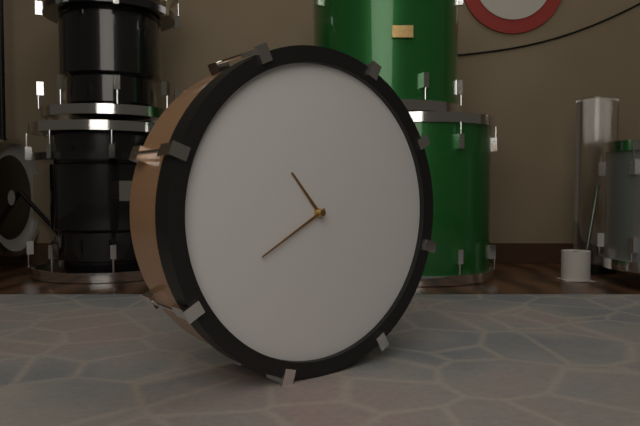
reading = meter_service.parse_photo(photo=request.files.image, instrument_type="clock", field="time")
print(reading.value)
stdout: 10:40
